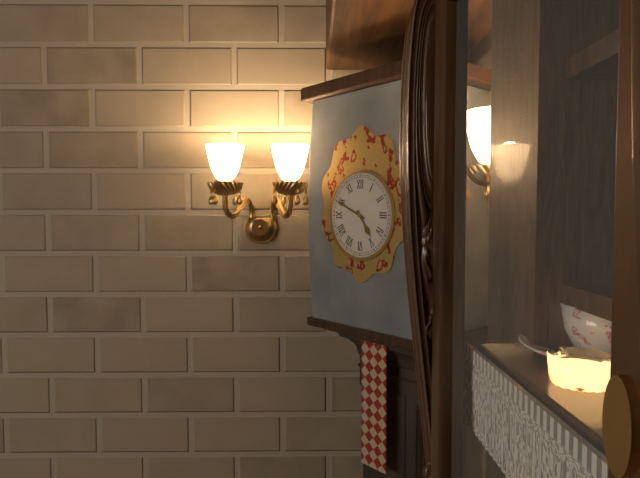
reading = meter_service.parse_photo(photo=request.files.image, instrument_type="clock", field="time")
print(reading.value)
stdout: 4:49
